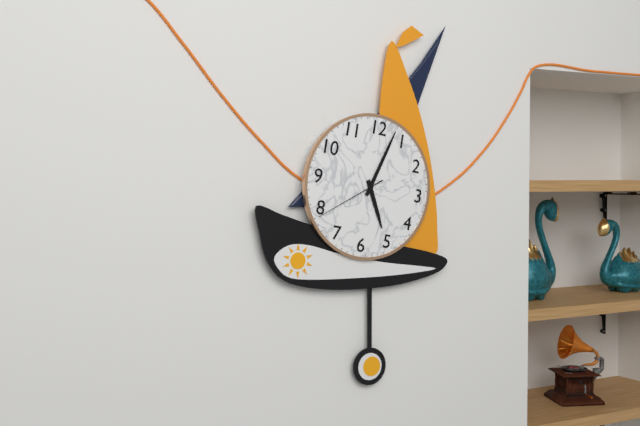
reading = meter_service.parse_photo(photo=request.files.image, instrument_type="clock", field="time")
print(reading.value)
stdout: 5:03:39
